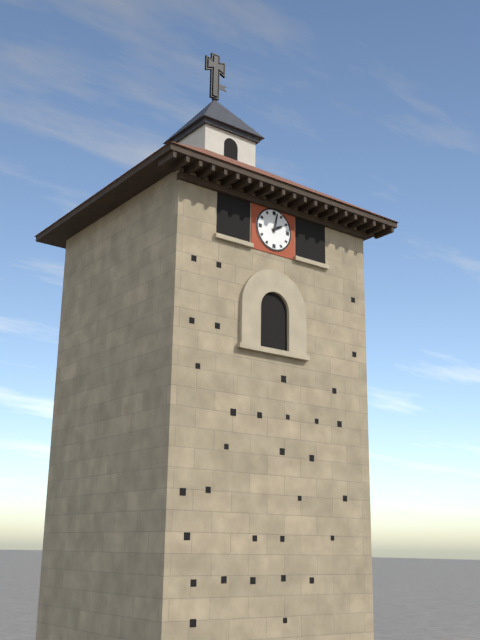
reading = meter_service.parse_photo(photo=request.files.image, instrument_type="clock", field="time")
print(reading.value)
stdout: 2:02
